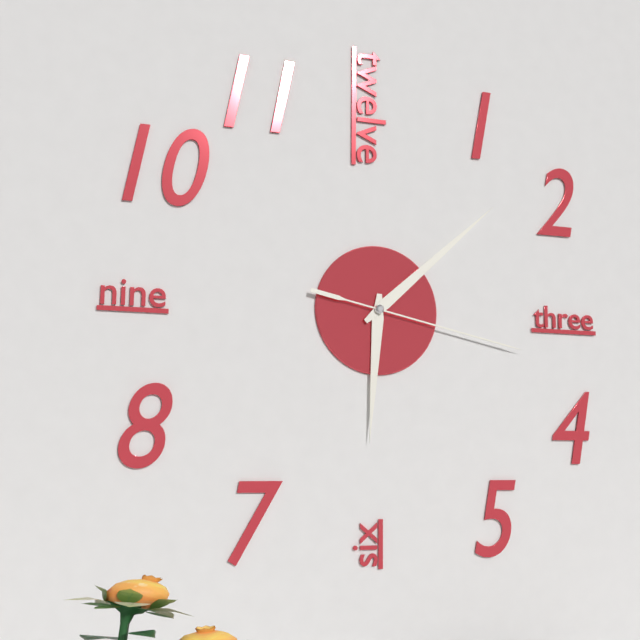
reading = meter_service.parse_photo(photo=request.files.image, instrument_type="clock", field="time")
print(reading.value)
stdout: 6:08:17
